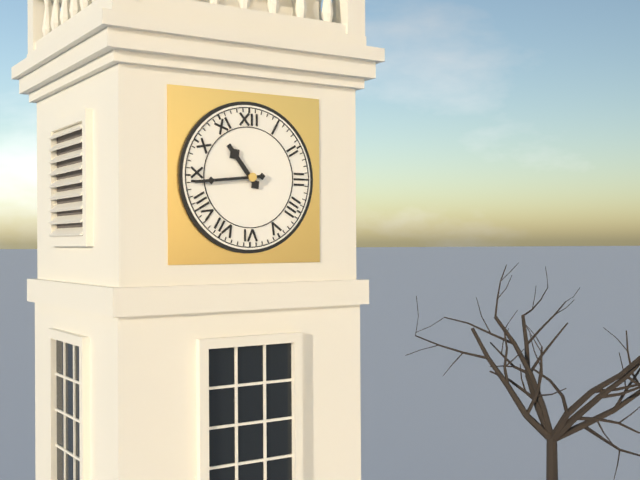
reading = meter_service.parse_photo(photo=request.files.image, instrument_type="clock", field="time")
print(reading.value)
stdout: 10:44
